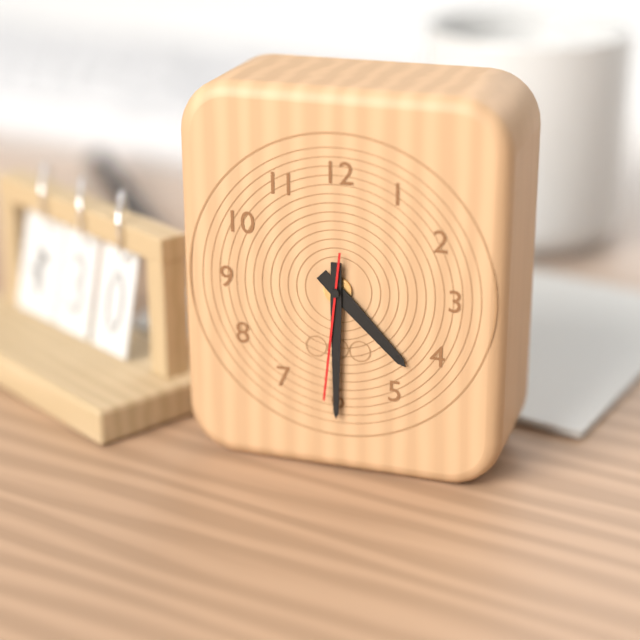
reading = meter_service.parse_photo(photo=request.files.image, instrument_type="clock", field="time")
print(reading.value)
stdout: 4:30:31
